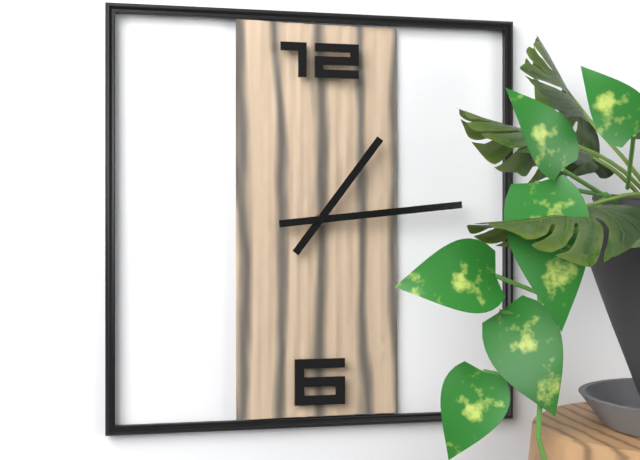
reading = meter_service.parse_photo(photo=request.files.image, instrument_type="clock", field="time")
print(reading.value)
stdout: 1:14
